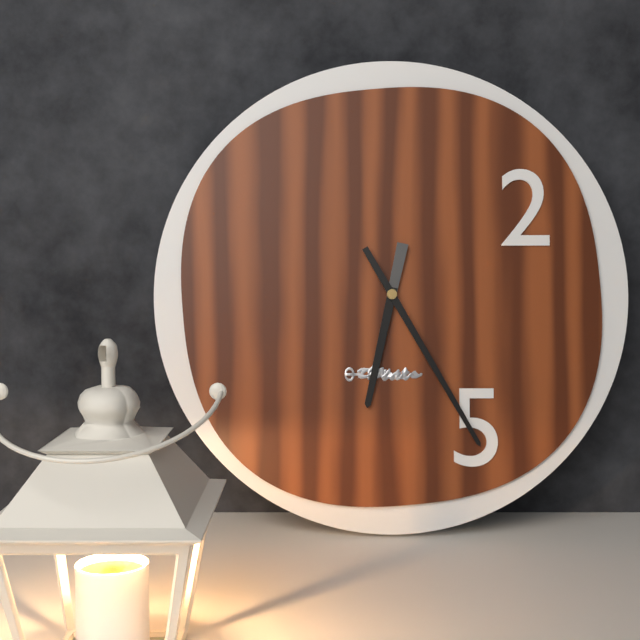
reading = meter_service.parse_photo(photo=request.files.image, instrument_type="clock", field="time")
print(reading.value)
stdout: 6:25
